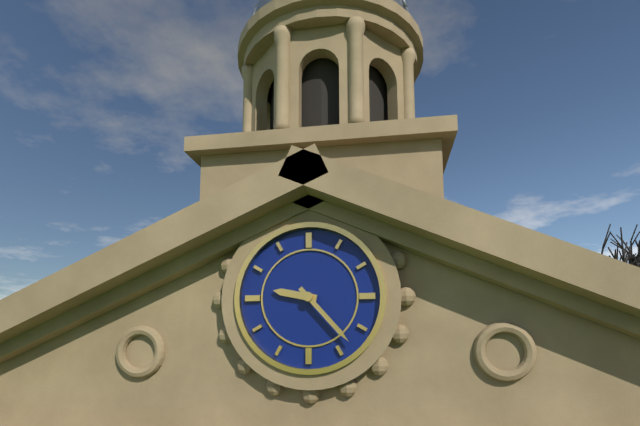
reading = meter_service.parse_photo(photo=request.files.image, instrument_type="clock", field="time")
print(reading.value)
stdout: 9:23
